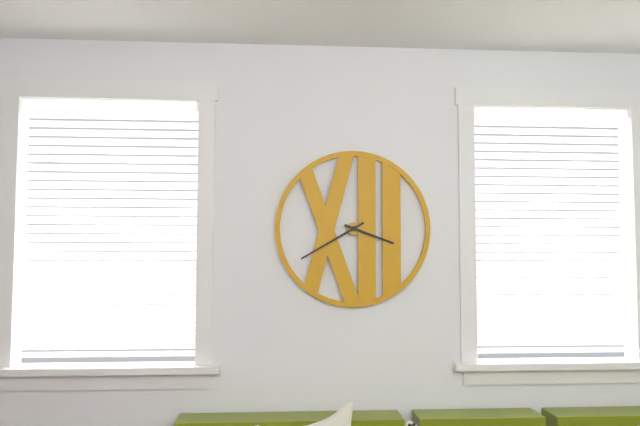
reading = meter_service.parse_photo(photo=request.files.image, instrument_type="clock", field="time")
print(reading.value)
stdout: 3:40
